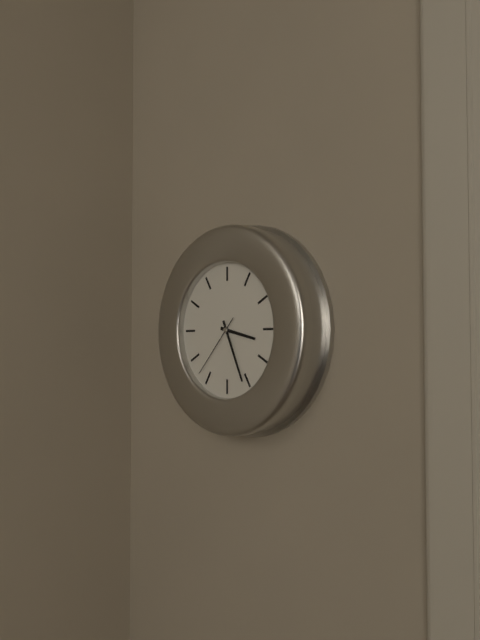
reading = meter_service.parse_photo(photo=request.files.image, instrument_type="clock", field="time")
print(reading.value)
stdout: 3:26:37
